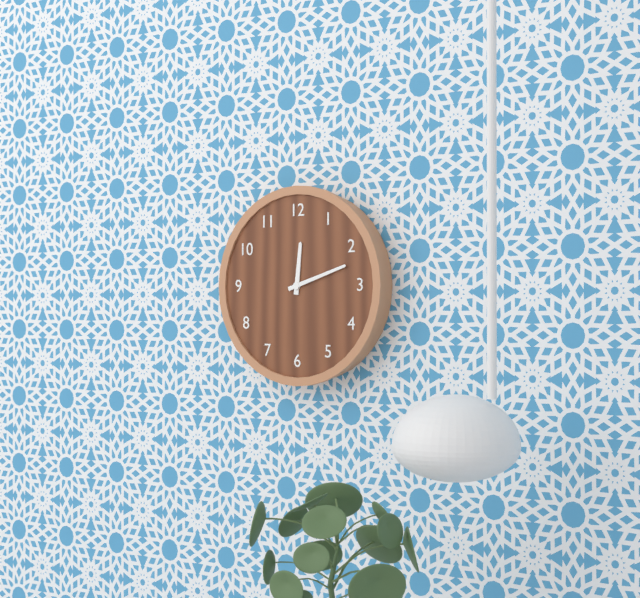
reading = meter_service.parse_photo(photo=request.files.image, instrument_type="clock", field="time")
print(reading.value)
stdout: 12:12
